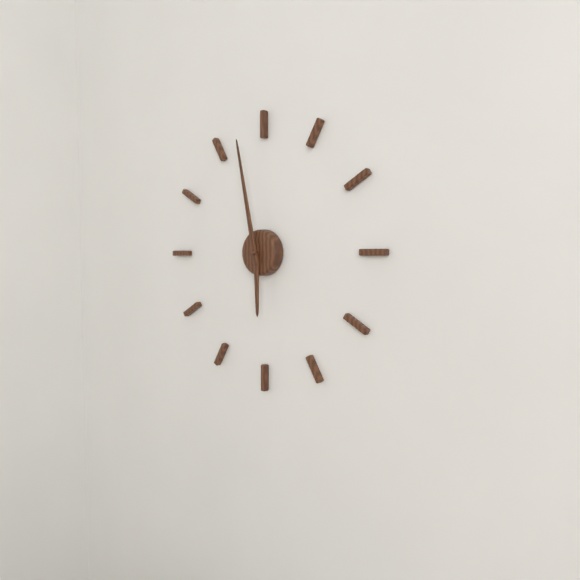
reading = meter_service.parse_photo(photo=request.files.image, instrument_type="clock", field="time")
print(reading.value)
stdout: 5:58
